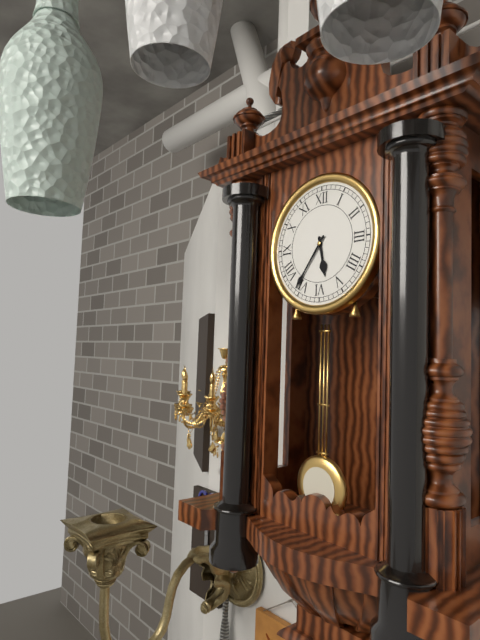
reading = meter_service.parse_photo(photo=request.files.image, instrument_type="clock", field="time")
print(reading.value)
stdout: 5:36
